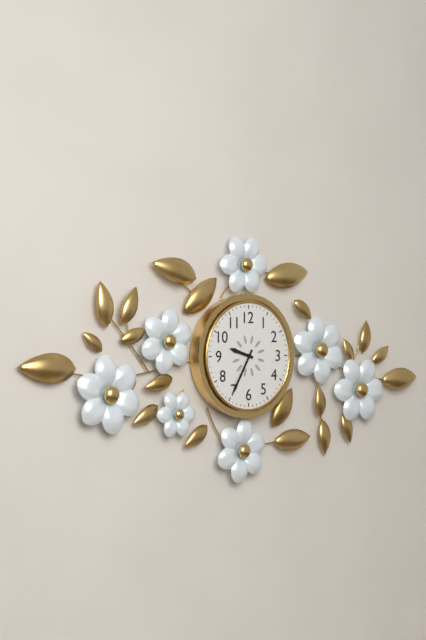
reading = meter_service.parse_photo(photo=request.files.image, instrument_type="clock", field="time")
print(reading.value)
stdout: 9:35
